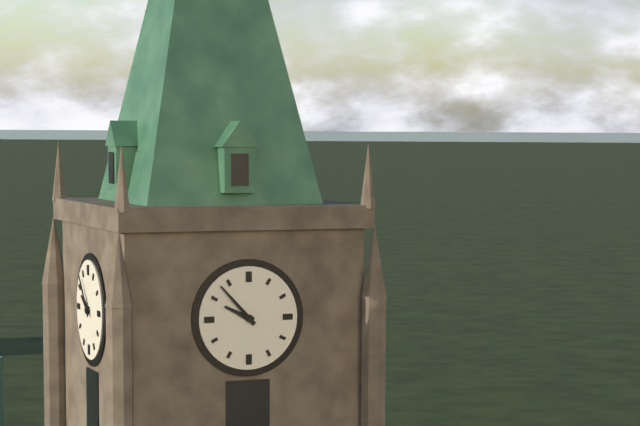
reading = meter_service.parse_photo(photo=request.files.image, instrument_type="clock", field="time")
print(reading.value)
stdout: 9:53
